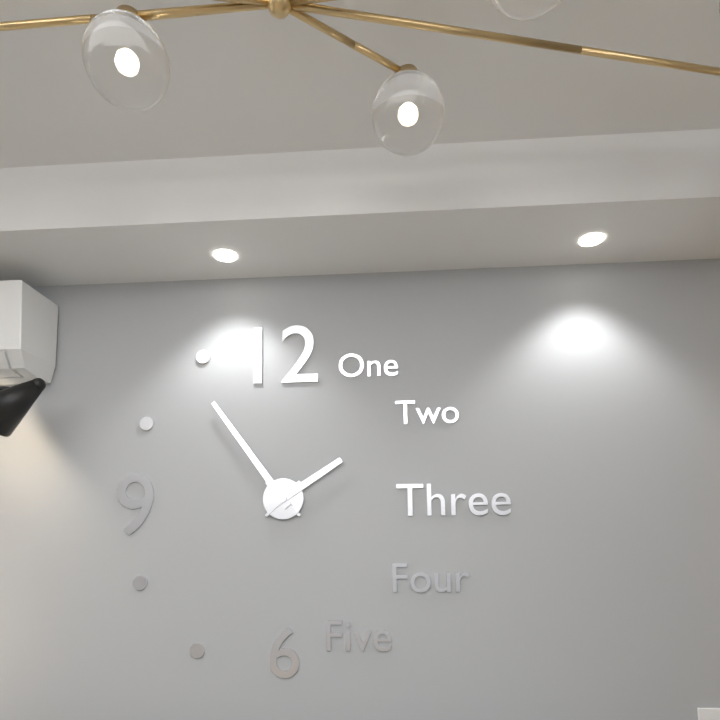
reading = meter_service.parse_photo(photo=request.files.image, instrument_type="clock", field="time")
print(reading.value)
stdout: 1:54
